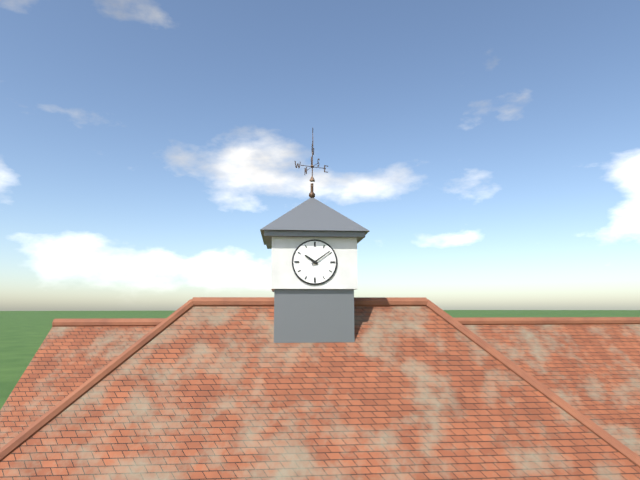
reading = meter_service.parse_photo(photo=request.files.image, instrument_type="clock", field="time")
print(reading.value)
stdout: 10:09
